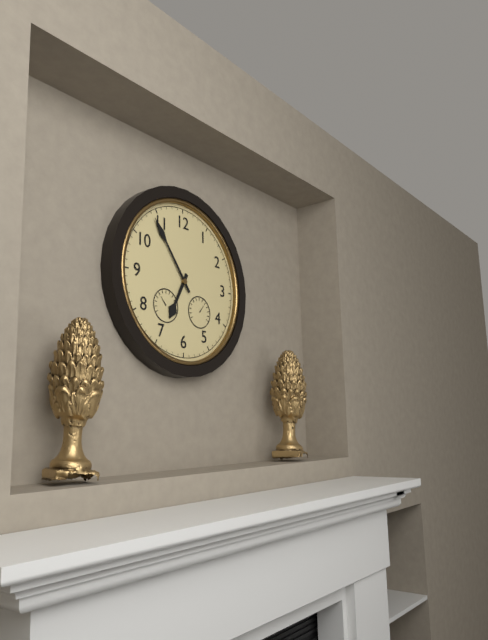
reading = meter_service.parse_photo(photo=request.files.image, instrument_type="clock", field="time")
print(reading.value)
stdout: 6:54
